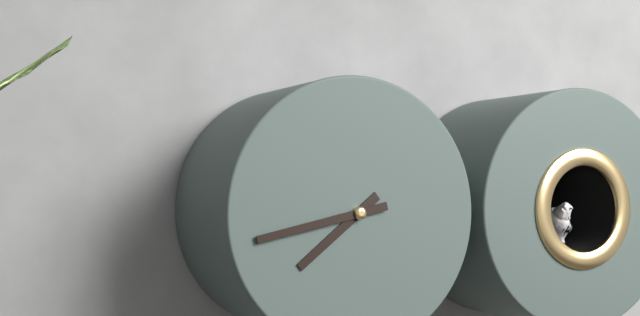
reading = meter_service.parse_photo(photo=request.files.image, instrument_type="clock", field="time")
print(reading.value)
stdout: 7:43
